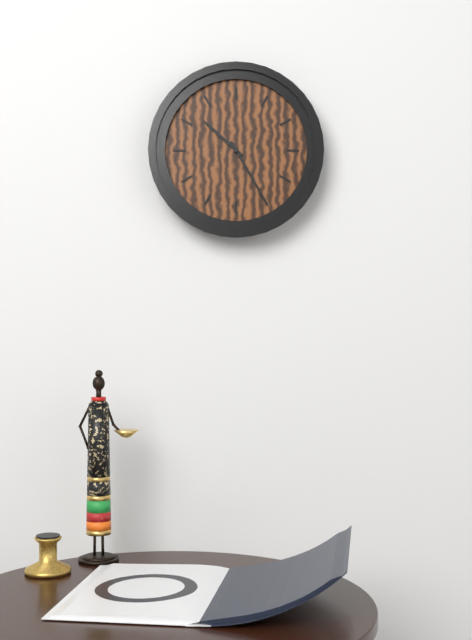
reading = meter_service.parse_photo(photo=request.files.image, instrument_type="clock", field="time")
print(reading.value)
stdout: 10:25
